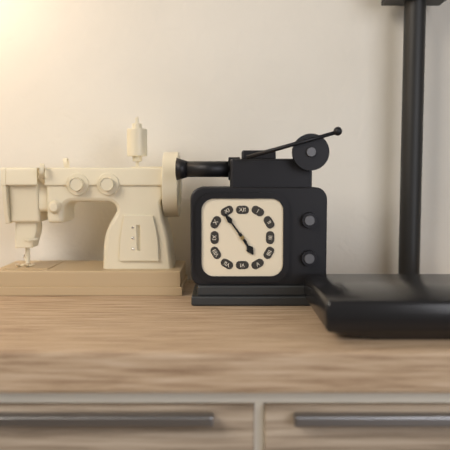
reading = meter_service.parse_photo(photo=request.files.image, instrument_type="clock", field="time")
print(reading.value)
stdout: 4:54
